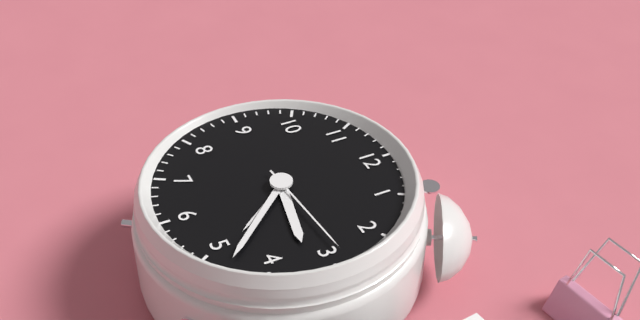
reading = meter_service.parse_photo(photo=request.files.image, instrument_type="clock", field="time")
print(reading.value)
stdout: 3:23:14
